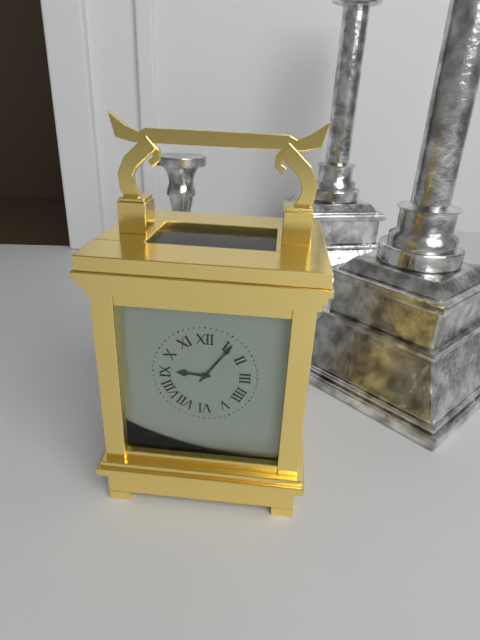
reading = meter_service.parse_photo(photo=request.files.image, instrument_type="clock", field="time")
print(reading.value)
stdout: 9:06
